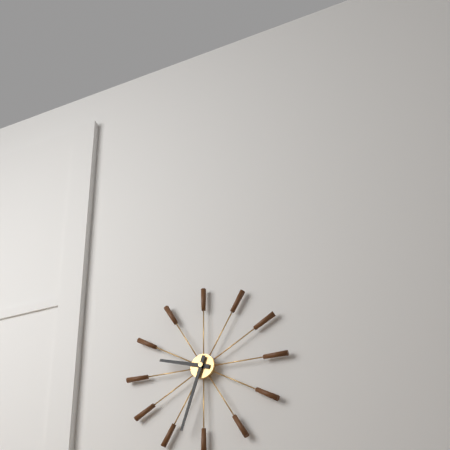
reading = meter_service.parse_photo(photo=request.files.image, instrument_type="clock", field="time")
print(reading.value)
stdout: 9:33
